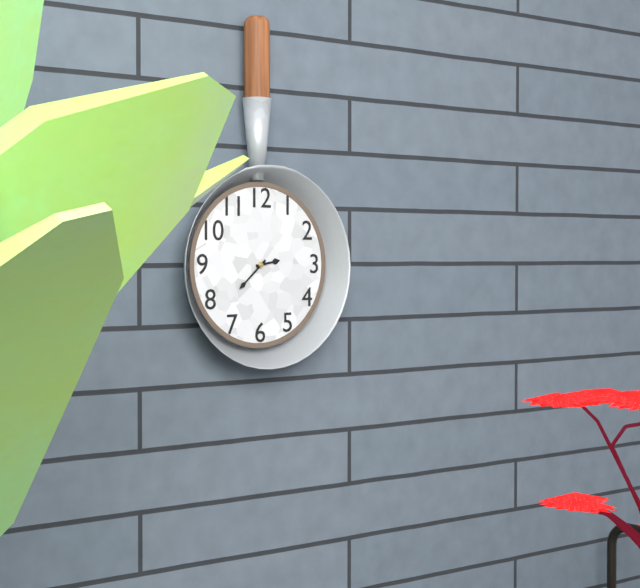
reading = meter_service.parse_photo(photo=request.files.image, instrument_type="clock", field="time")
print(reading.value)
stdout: 2:38
